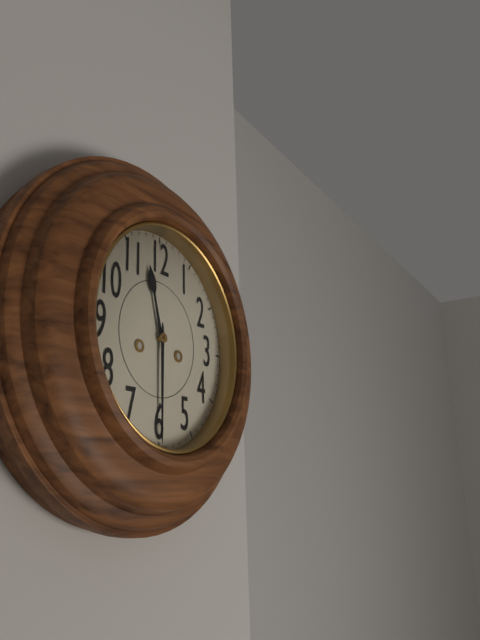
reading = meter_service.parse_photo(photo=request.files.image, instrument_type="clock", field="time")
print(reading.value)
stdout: 11:30
